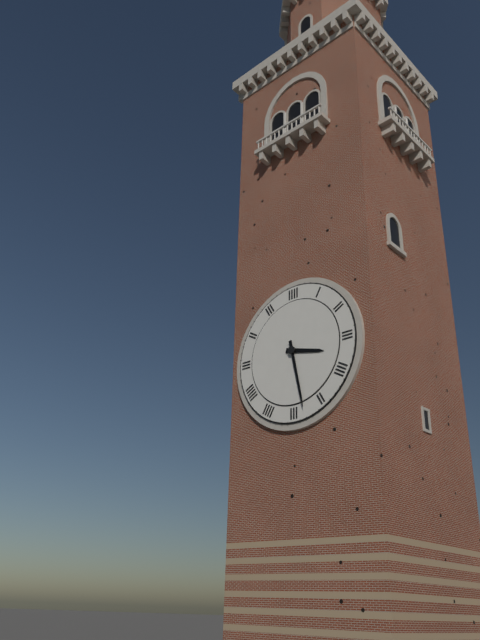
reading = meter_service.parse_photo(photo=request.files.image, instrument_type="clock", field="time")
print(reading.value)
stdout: 3:28
